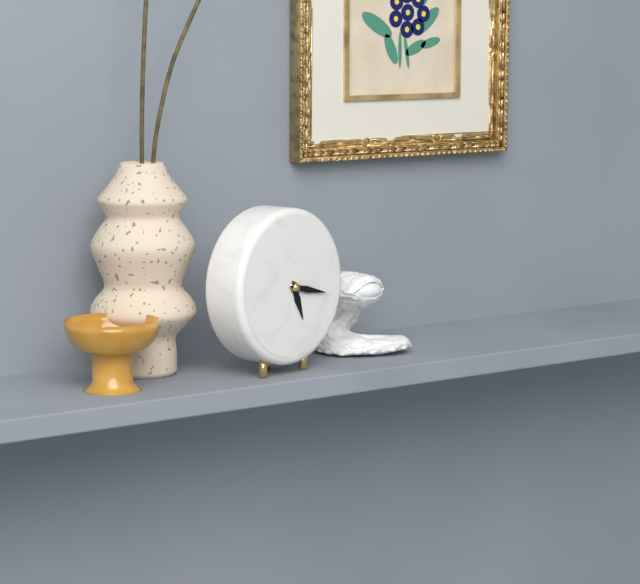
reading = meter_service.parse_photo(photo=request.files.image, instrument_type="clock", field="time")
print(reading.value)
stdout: 5:17
